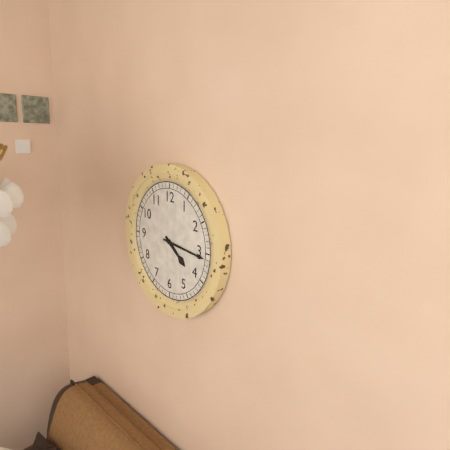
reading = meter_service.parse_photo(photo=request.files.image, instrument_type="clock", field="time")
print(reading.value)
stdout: 4:16
